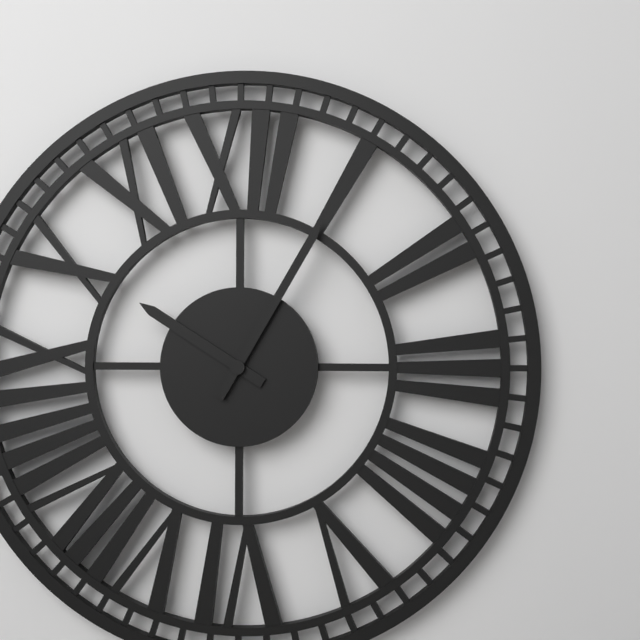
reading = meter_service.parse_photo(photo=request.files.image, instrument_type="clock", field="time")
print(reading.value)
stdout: 10:05
